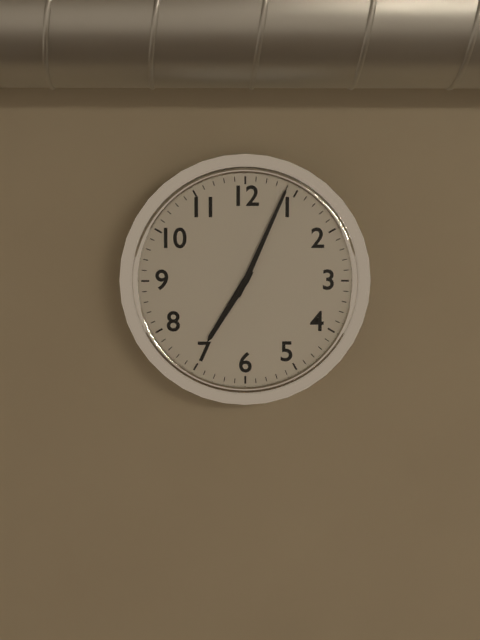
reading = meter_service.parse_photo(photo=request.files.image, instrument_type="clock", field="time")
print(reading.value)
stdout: 7:04
